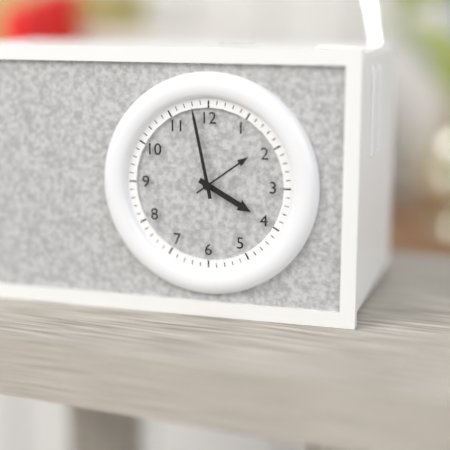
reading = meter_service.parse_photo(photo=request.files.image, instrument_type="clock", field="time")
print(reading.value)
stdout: 3:58:09
